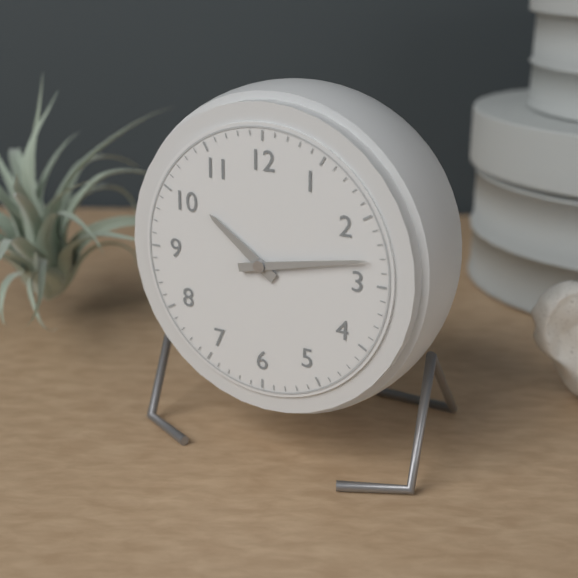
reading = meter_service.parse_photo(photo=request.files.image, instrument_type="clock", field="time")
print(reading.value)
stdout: 10:13
